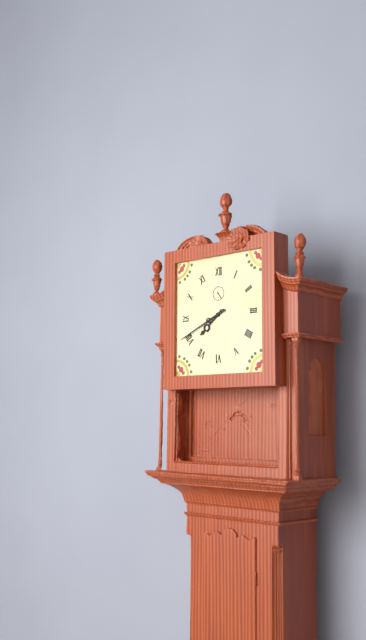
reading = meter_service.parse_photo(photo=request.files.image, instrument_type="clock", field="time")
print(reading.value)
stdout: 7:41
